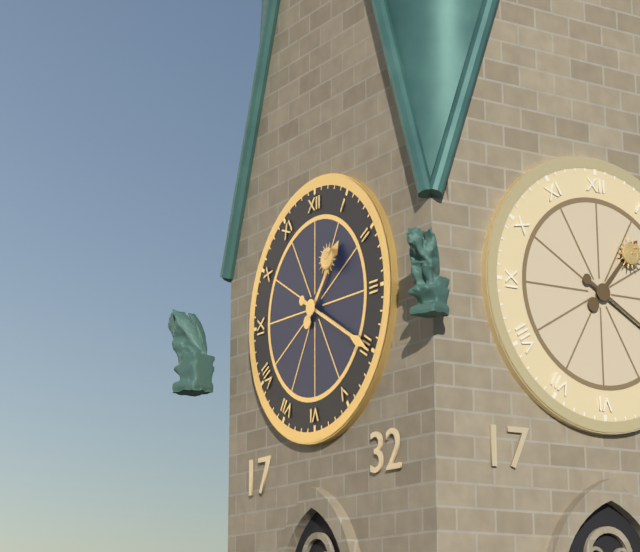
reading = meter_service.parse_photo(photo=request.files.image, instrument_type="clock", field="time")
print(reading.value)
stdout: 1:20
